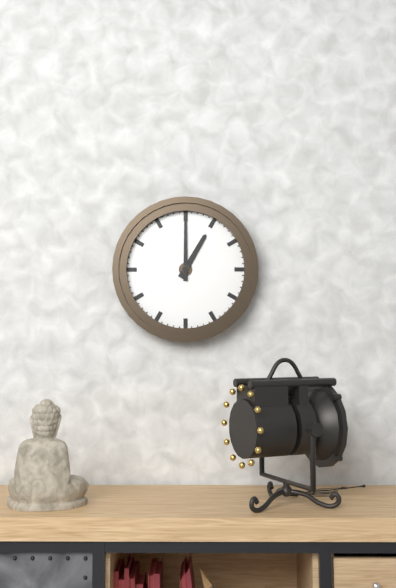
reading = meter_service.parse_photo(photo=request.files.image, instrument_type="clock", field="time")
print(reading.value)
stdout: 1:00
